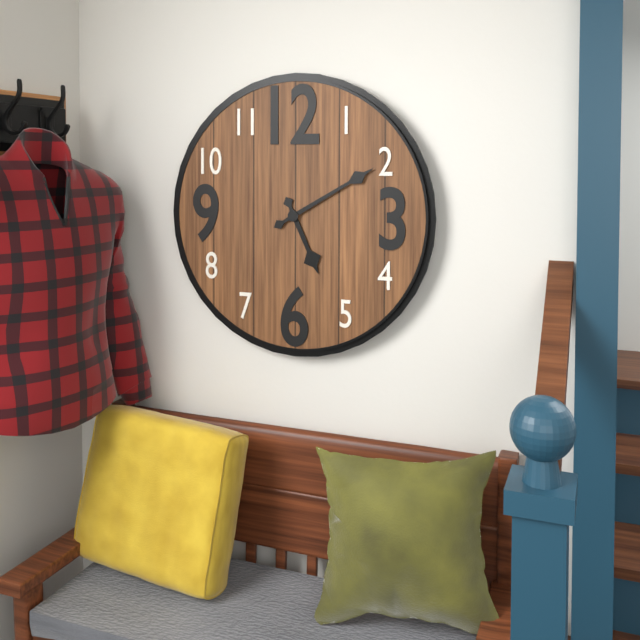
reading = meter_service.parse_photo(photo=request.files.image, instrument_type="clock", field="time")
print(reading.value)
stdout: 5:10
